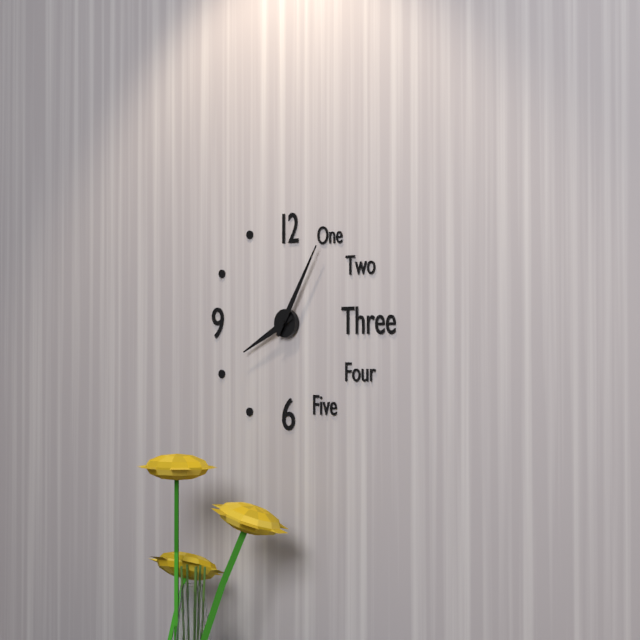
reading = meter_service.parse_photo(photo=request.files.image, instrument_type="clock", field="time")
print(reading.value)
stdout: 8:05
